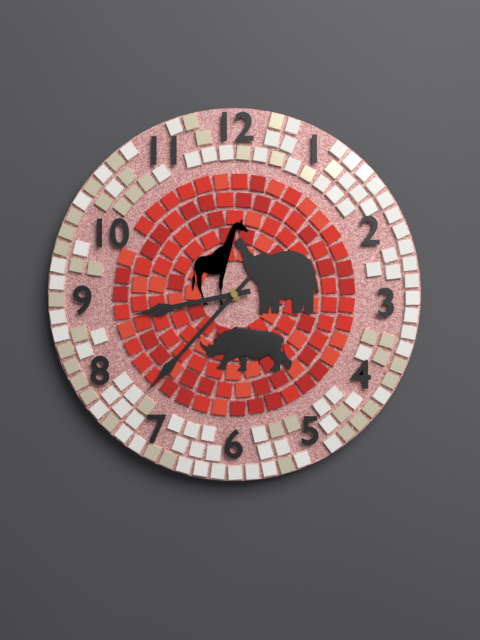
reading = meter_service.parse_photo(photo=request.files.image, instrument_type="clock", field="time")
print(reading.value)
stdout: 8:37
